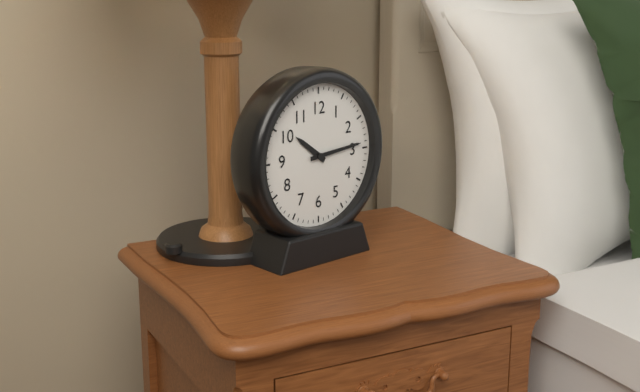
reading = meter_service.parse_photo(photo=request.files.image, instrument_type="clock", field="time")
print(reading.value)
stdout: 10:14
